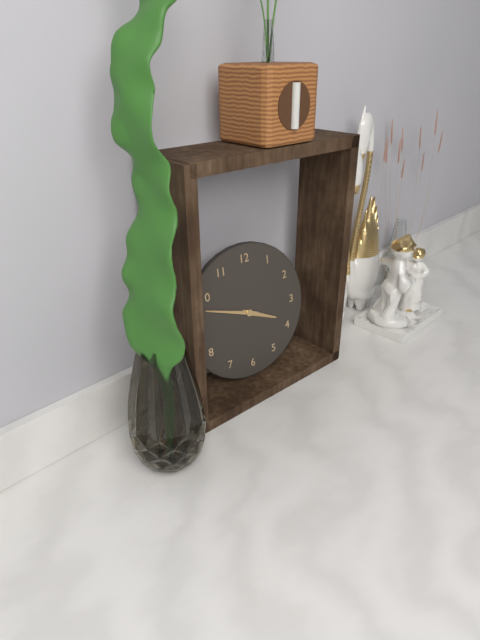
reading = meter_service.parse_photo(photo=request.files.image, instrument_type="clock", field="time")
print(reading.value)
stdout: 3:48
